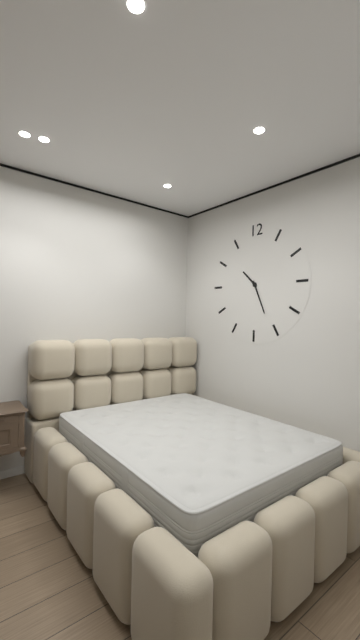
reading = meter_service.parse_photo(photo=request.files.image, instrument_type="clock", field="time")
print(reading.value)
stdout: 10:26
